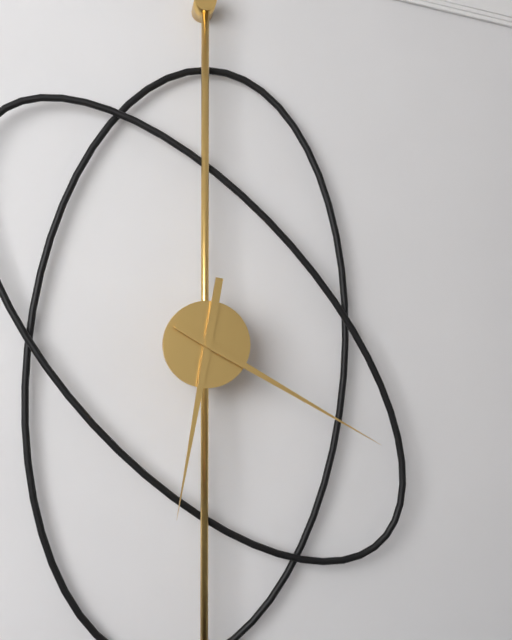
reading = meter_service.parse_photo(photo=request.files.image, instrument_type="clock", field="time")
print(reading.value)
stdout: 6:20
